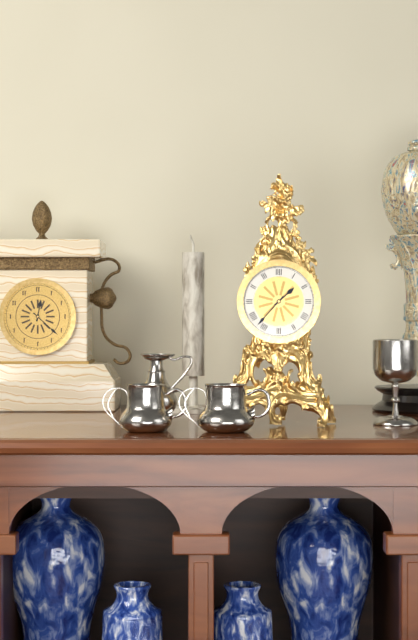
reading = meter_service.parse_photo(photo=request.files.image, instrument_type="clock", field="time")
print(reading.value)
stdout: 1:37
